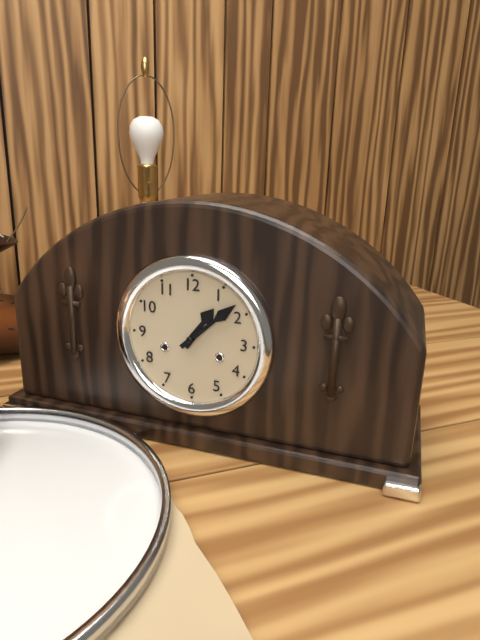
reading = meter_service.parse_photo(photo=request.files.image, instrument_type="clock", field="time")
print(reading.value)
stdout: 1:08
